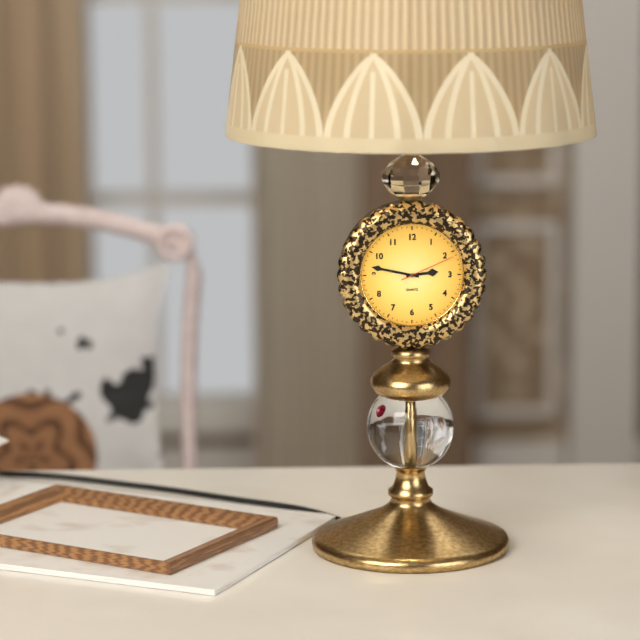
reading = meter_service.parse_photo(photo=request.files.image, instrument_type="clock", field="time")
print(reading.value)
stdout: 2:47:11
